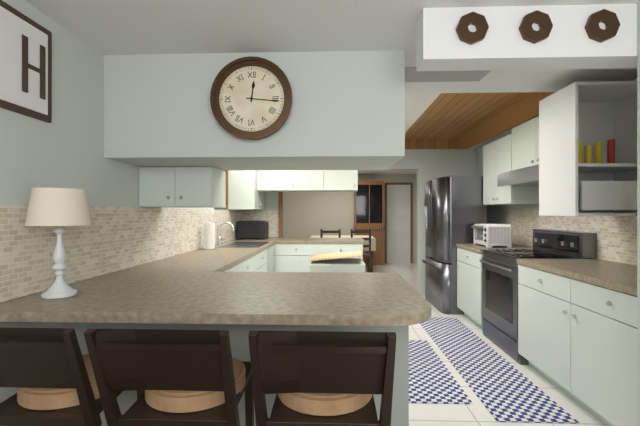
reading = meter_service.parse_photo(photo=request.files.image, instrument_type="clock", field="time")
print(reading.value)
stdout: 12:16
